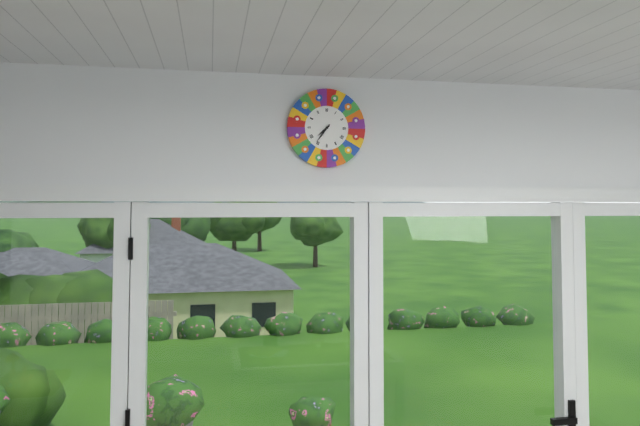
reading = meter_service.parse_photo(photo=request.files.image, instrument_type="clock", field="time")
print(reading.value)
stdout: 7:36
